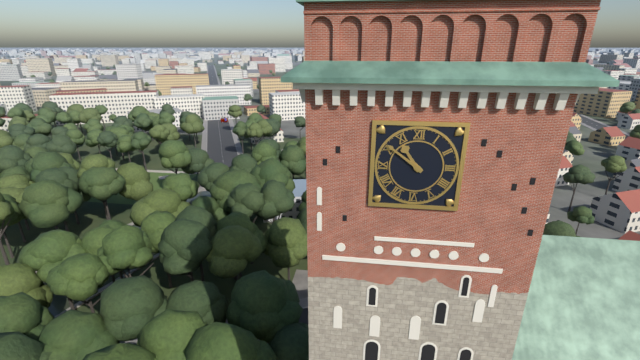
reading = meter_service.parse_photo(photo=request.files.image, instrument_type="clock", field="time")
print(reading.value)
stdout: 10:51
